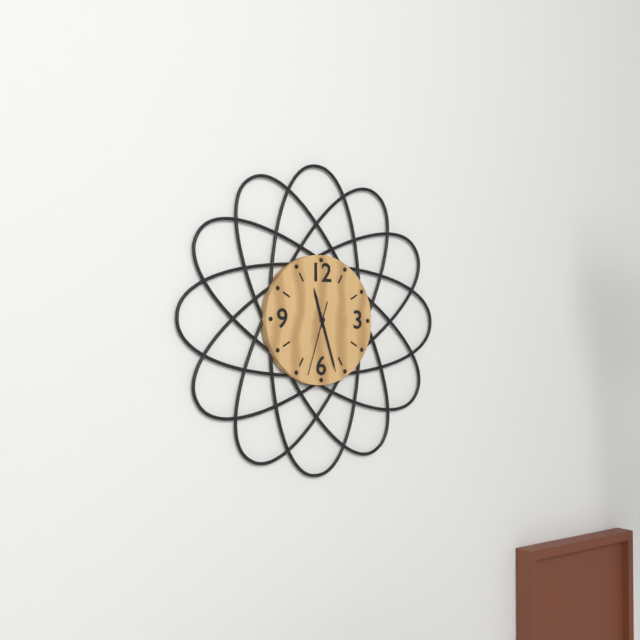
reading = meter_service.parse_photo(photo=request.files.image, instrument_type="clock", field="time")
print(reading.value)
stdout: 11:27:33
